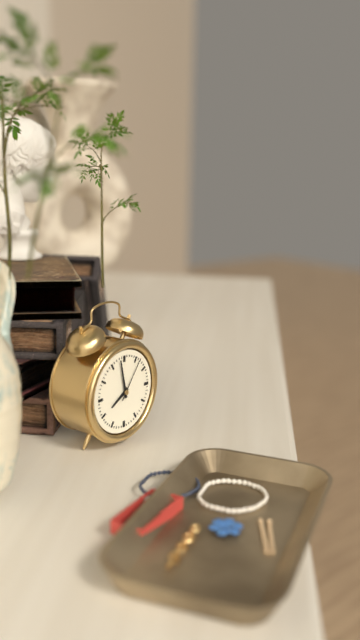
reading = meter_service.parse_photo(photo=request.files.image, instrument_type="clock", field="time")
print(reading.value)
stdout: 7:58
